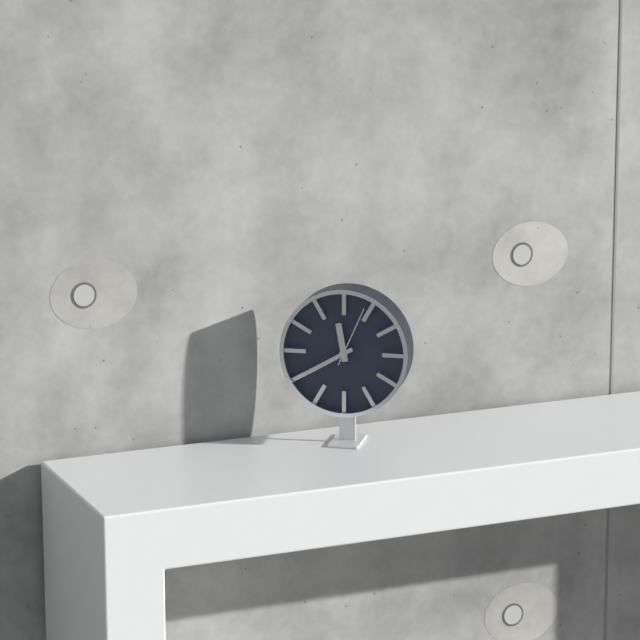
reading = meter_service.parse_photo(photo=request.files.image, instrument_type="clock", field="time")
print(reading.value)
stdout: 11:40:04
